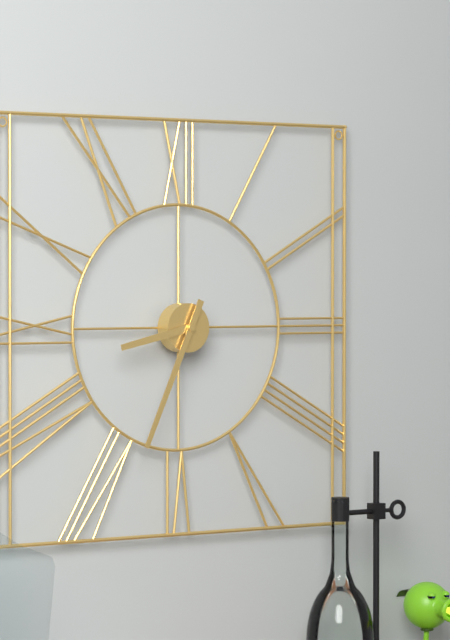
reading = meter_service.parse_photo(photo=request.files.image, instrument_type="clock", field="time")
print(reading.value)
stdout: 8:34
